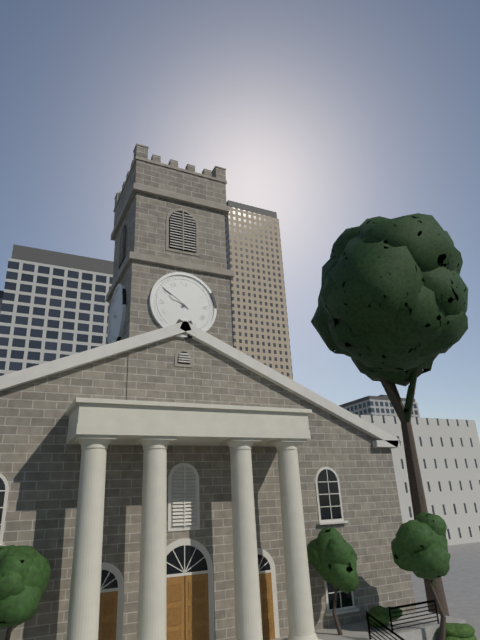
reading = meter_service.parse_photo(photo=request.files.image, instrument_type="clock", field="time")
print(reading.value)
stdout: 9:51
